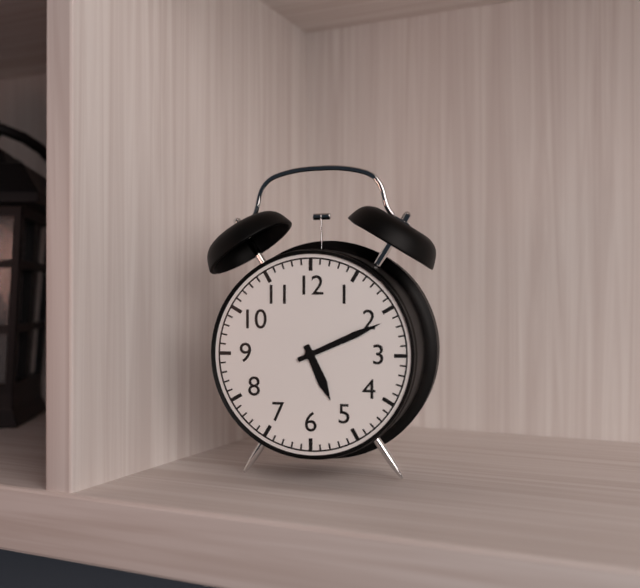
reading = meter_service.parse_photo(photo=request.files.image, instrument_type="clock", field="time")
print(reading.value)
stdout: 5:11
